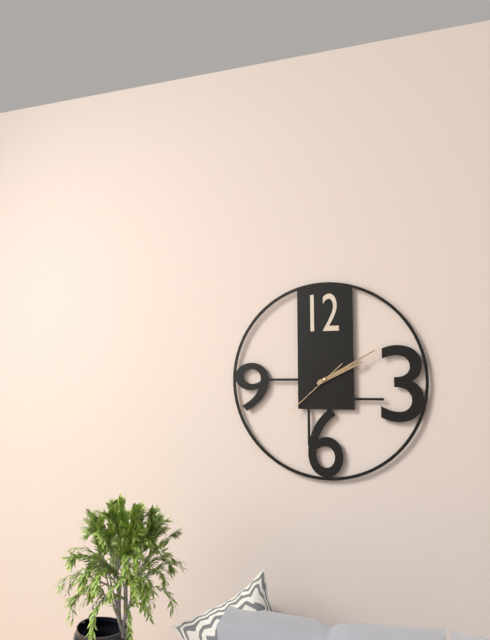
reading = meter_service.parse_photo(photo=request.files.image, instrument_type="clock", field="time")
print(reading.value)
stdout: 2:10:38
